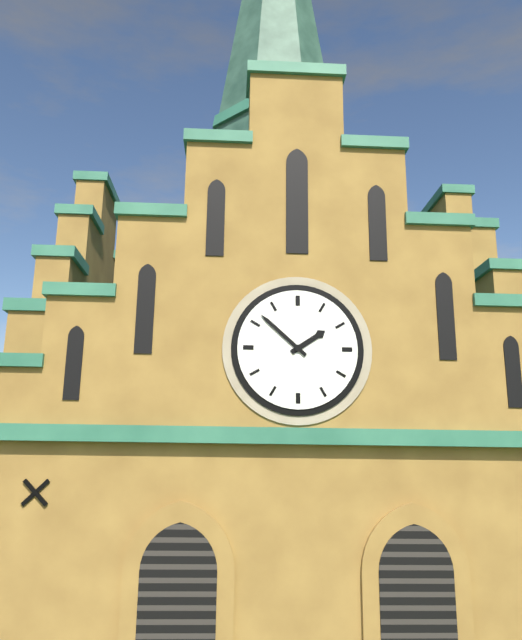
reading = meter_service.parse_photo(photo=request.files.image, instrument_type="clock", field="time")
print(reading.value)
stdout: 1:52
